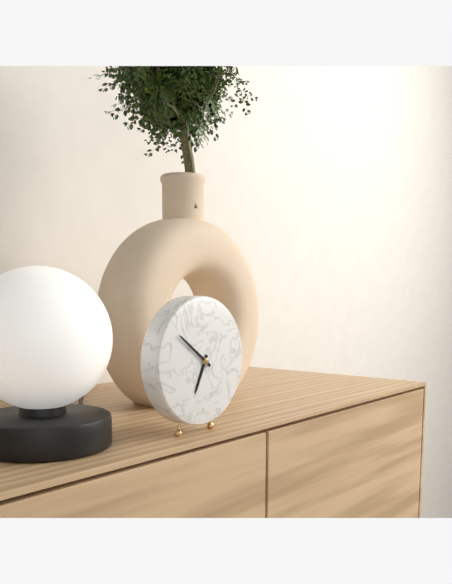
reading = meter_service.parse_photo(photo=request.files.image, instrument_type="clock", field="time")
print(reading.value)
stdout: 6:51
